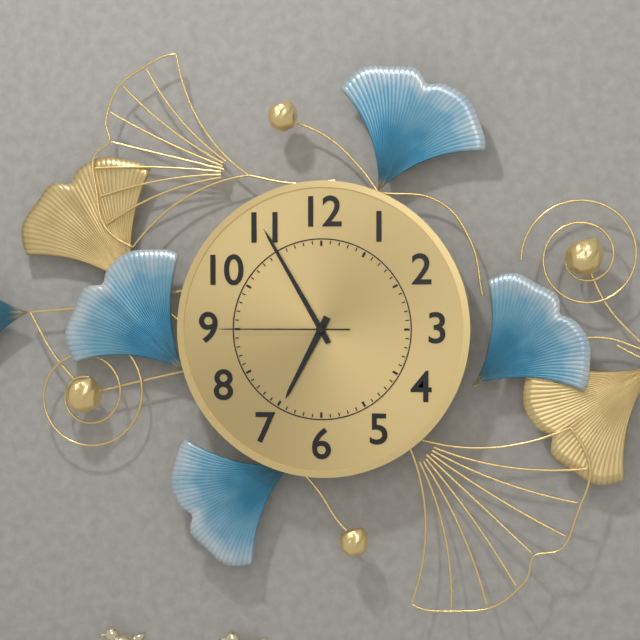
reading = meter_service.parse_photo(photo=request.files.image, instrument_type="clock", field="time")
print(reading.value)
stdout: 6:55:45
